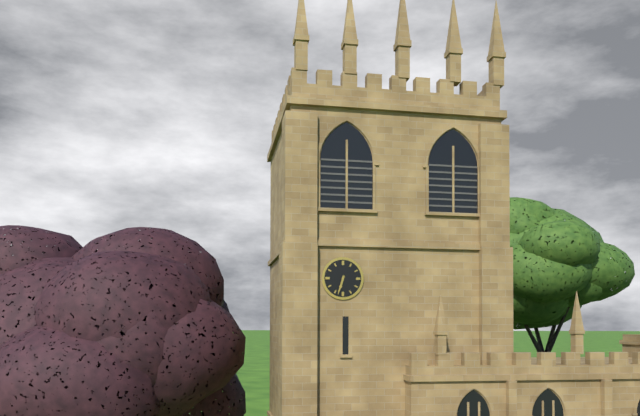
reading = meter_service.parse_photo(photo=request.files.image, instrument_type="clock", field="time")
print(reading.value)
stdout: 6:33
